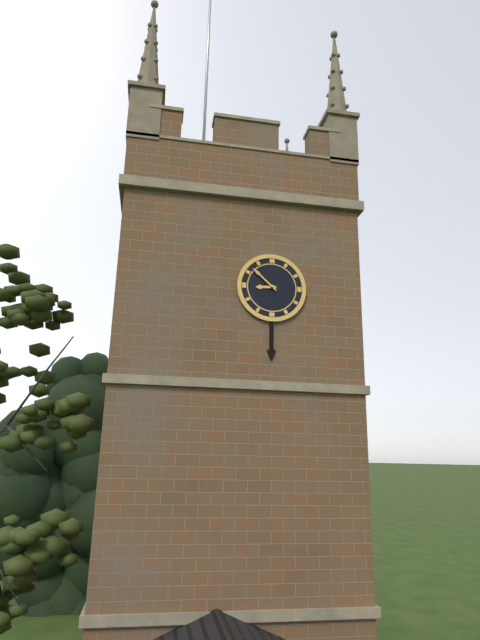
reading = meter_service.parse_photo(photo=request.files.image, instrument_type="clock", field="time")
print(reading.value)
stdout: 8:52
